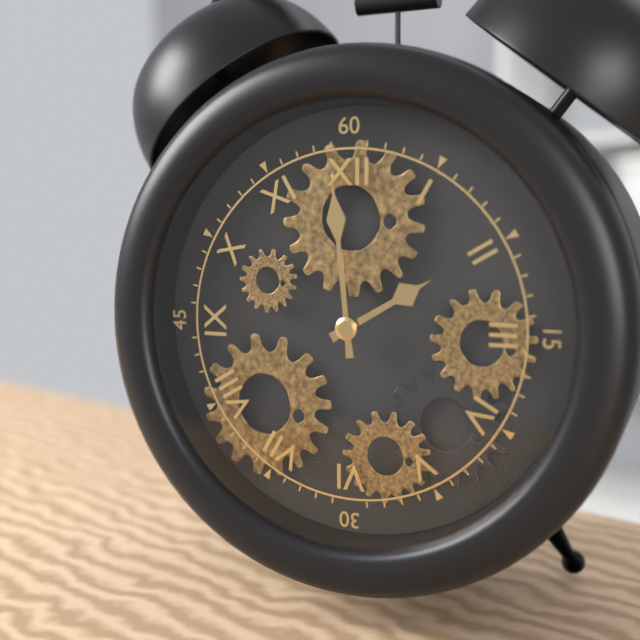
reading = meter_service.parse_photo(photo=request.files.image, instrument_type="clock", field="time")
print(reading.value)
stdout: 1:59
